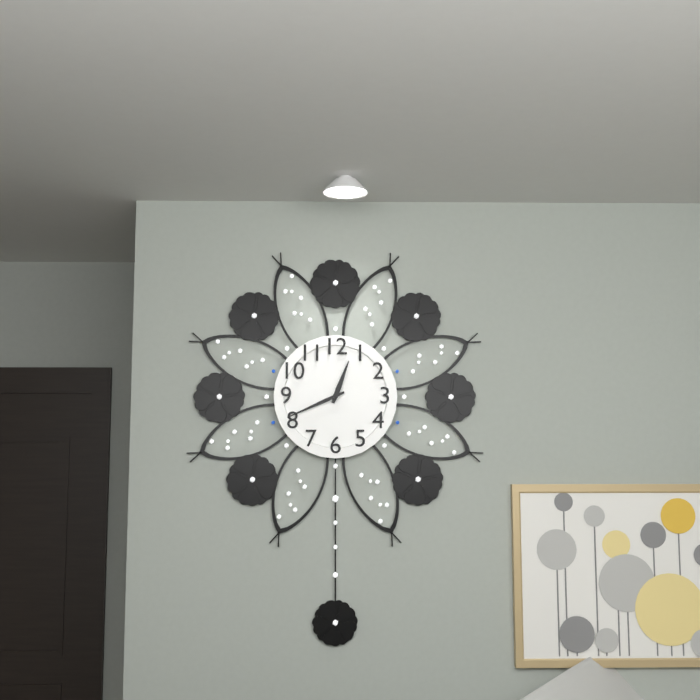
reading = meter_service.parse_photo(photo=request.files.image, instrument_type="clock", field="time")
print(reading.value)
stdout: 12:41
